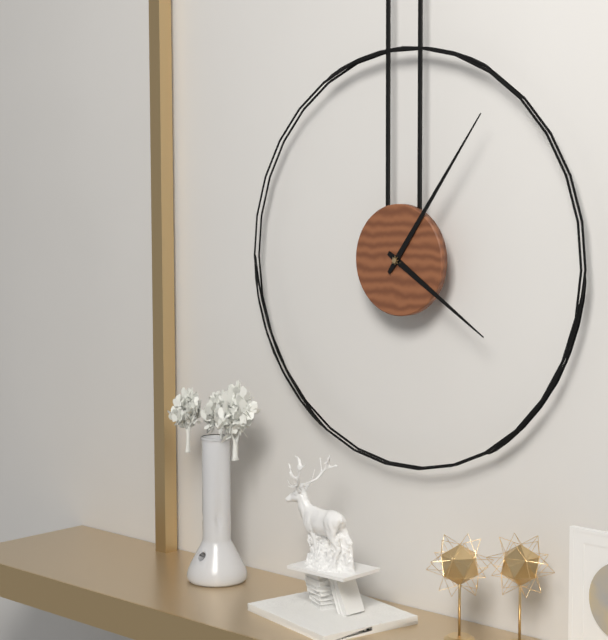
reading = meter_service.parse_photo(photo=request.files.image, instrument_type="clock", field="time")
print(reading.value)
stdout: 4:06
